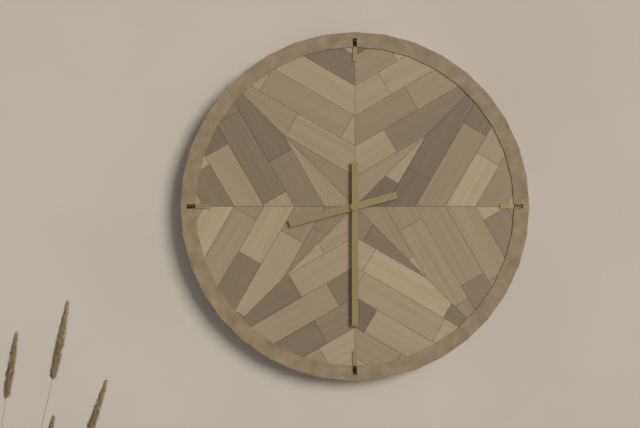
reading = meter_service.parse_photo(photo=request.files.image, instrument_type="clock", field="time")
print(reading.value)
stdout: 8:30
